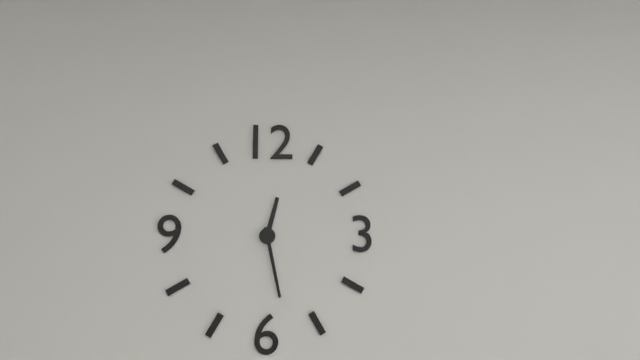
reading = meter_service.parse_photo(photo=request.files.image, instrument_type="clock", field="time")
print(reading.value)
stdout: 12:28
